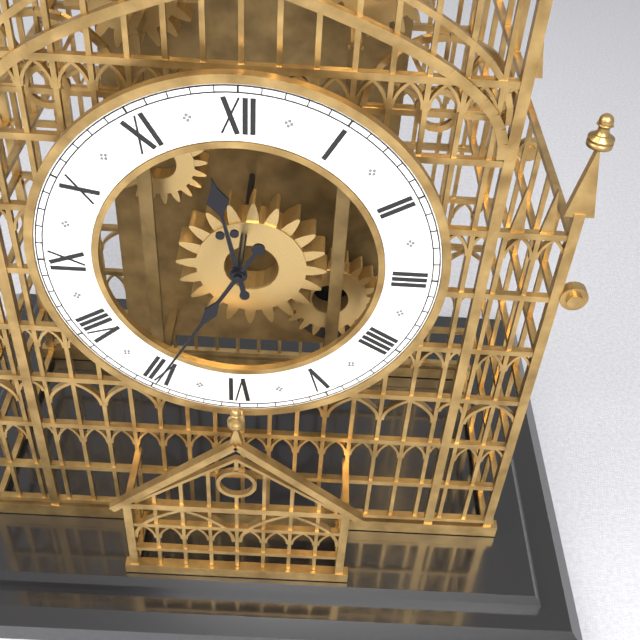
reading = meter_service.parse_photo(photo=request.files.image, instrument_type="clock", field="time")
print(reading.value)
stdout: 11:35
